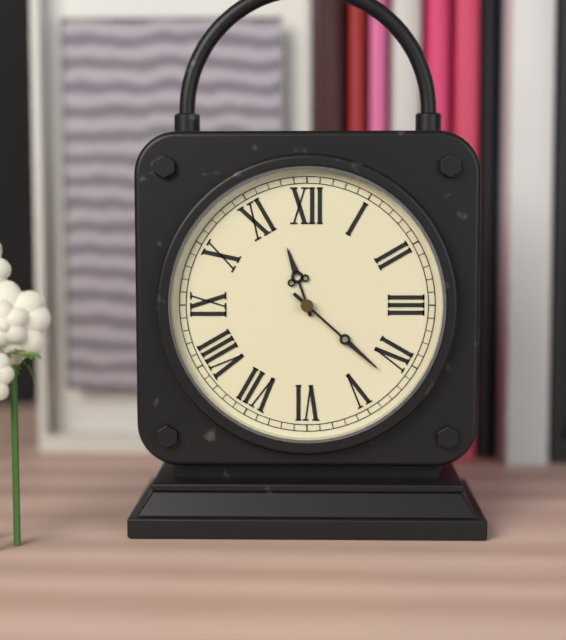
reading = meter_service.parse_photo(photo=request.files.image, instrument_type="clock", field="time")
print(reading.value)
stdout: 11:22
